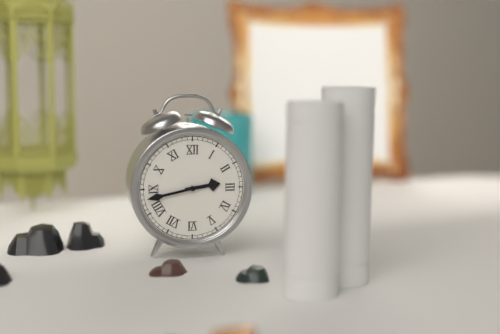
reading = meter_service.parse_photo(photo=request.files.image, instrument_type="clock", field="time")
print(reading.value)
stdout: 2:43
